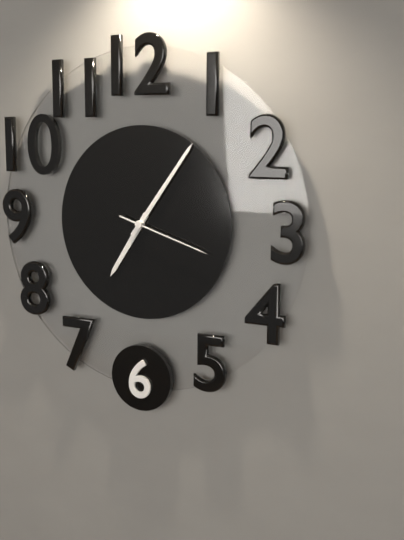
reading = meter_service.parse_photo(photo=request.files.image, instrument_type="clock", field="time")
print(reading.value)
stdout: 7:06:18
